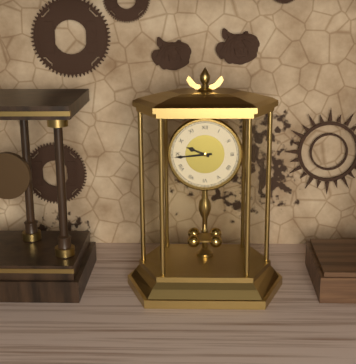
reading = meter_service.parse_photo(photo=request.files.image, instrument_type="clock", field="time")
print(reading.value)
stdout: 9:44
